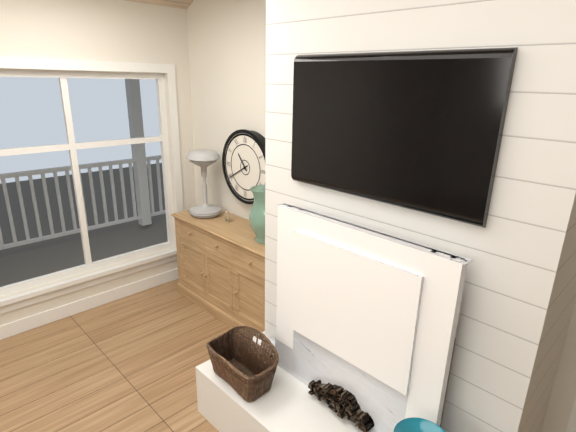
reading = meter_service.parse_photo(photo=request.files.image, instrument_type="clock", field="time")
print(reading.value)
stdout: 10:40
